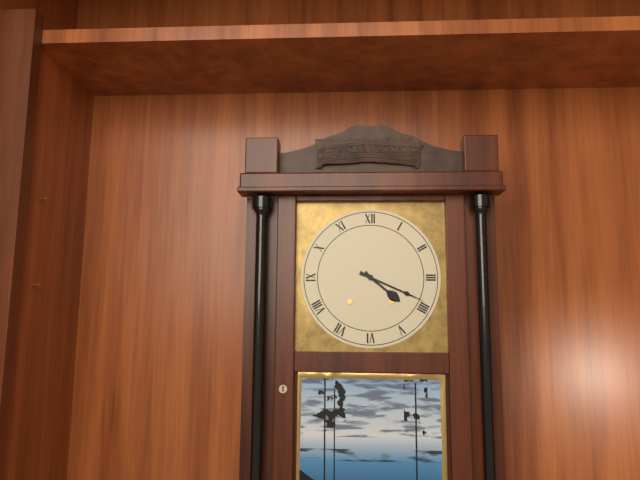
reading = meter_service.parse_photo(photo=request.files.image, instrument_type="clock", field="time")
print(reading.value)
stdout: 4:19
